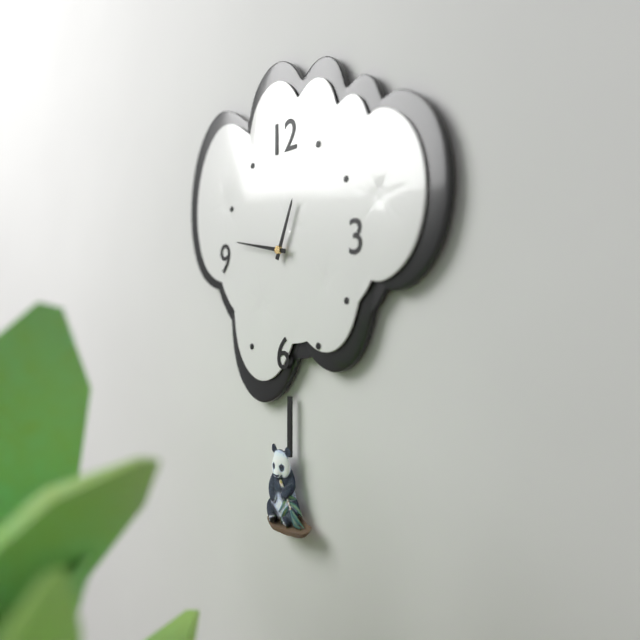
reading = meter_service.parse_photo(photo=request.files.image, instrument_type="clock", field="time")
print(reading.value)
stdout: 12:47
